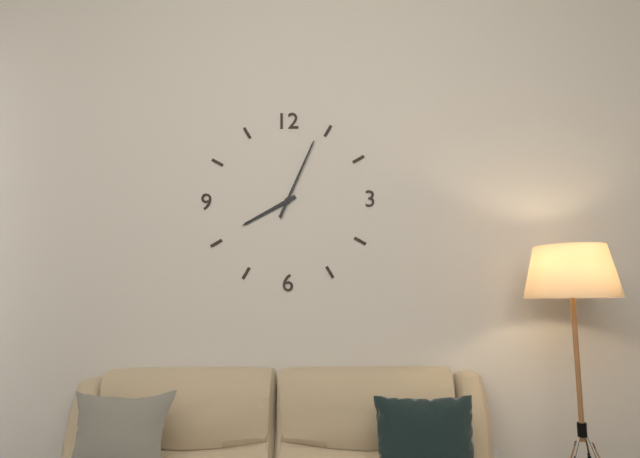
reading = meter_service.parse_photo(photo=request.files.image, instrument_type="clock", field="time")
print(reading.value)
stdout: 8:04
